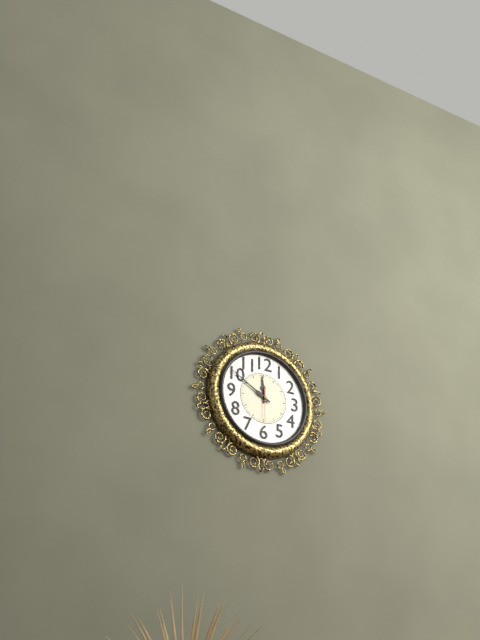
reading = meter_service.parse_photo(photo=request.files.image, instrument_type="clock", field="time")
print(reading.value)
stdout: 11:50
